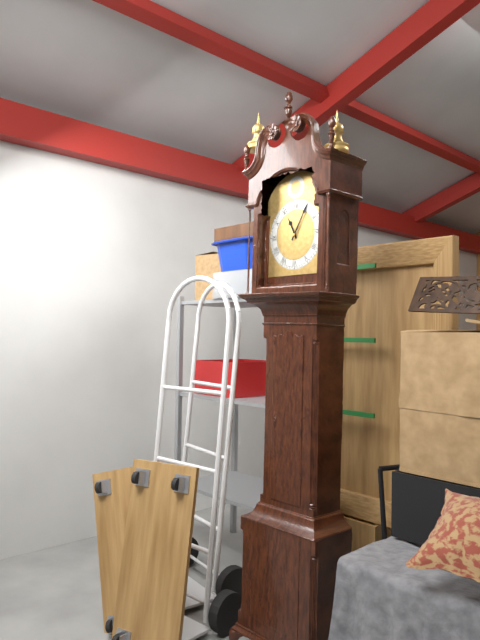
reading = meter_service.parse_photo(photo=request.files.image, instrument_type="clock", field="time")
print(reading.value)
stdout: 11:05
